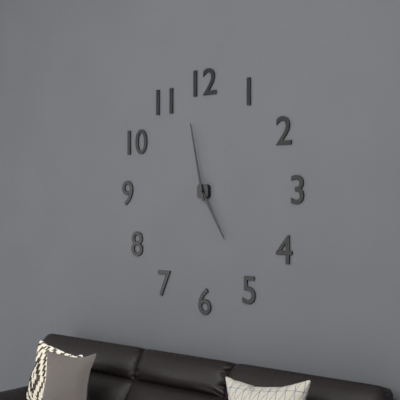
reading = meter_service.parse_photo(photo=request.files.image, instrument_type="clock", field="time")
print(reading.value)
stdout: 4:58
